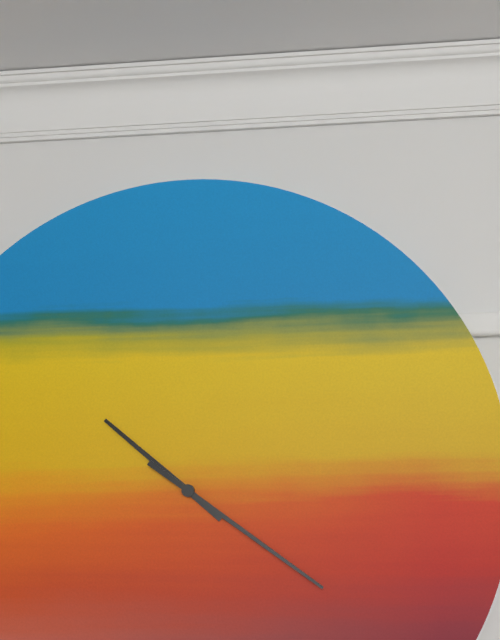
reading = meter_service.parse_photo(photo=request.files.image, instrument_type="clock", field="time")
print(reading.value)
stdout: 10:21
